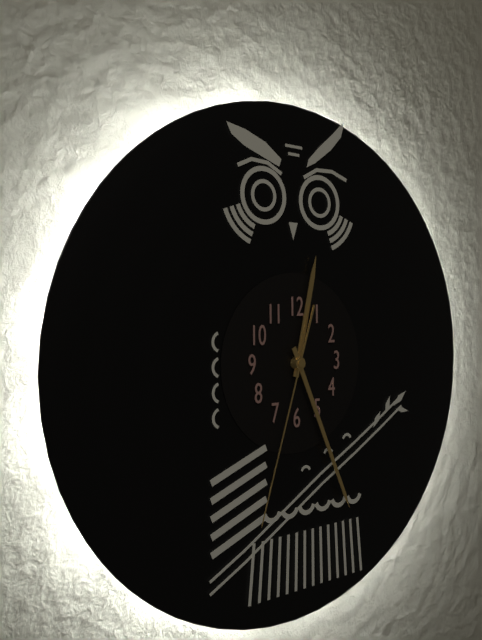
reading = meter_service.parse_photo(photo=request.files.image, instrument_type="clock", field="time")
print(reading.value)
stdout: 12:26:33
